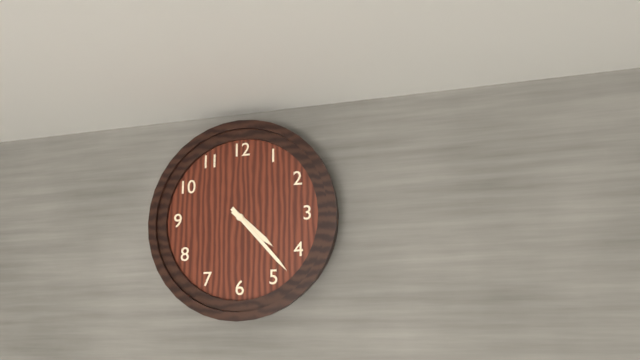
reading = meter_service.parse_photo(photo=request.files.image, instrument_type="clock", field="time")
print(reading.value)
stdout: 4:23
